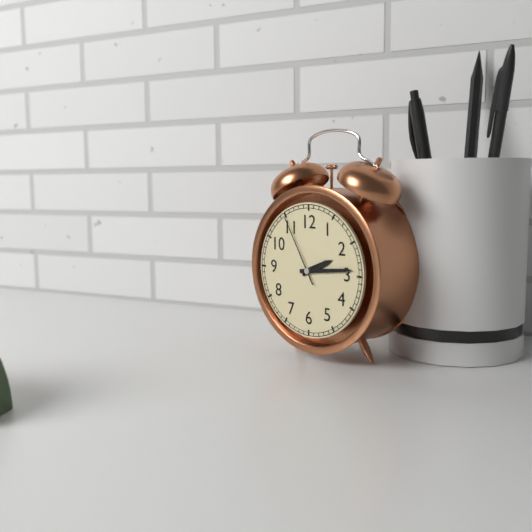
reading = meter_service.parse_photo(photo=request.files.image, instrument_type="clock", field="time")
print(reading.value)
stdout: 2:14:55
